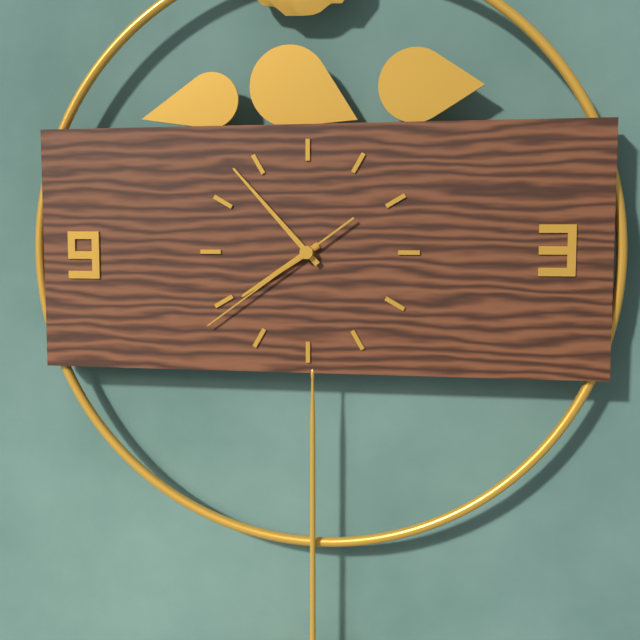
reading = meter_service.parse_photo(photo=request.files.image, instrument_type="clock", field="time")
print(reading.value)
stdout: 7:53:39
